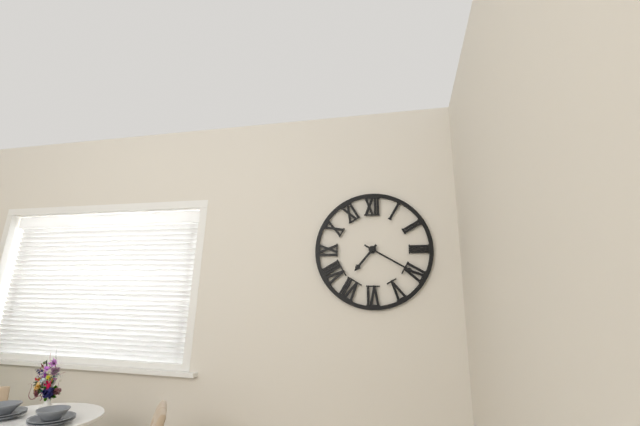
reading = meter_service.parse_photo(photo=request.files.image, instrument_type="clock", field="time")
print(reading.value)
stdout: 7:20
